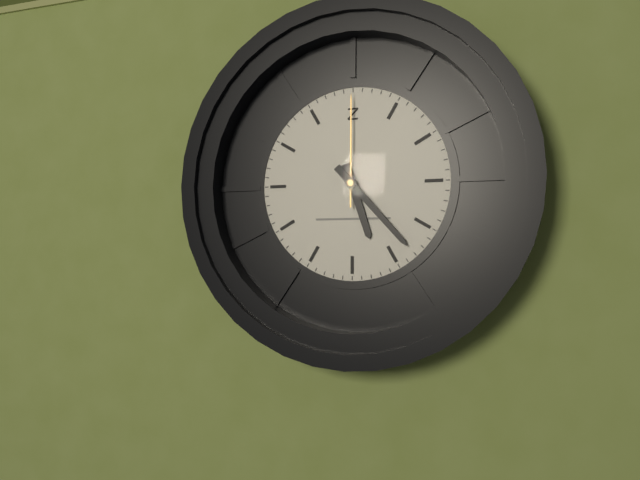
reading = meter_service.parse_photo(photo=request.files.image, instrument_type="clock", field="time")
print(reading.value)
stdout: 5:23:00
